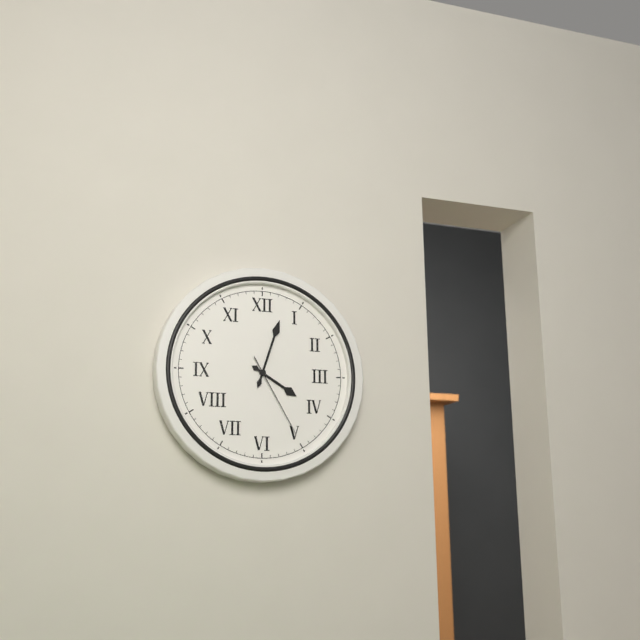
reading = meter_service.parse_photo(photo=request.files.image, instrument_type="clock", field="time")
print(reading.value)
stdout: 4:03:25
